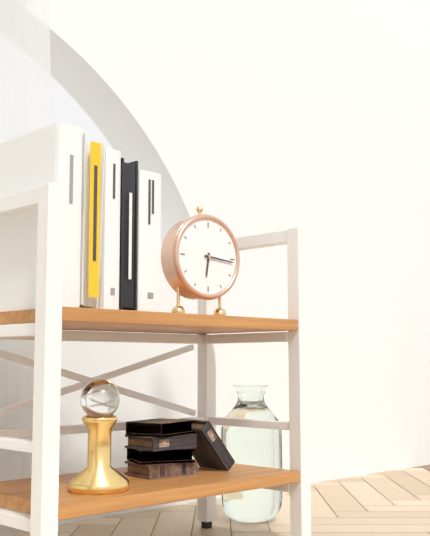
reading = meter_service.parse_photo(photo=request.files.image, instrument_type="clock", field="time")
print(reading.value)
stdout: 6:16
